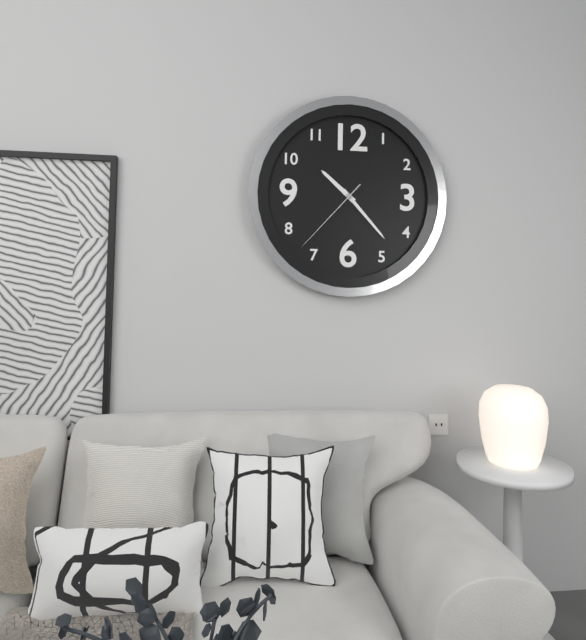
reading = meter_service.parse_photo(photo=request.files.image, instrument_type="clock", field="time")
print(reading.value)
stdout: 10:23:37
